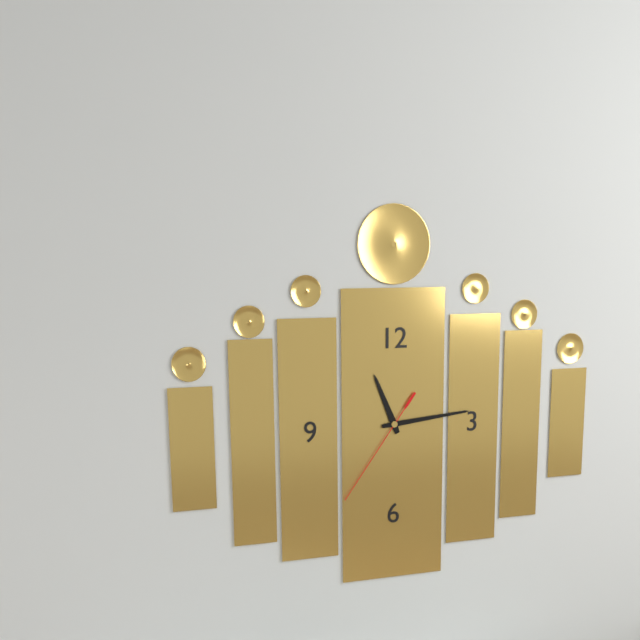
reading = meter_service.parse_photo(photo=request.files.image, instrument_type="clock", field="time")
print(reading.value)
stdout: 11:14:36
